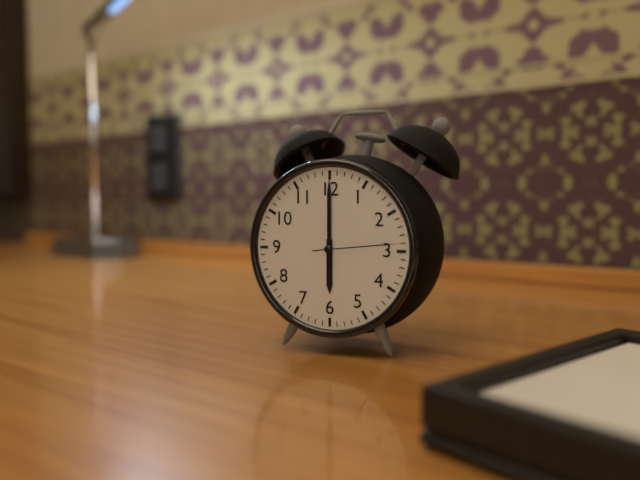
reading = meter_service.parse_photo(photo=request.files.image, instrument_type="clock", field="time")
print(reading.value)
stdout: 6:00:14
